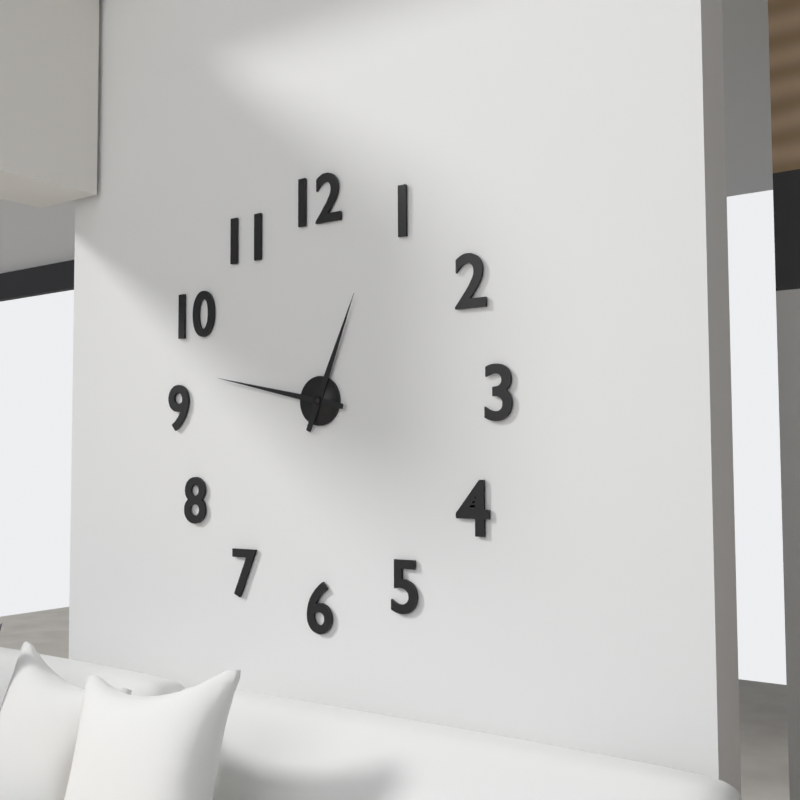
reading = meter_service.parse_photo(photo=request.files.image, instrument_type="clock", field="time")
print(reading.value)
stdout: 12:47
